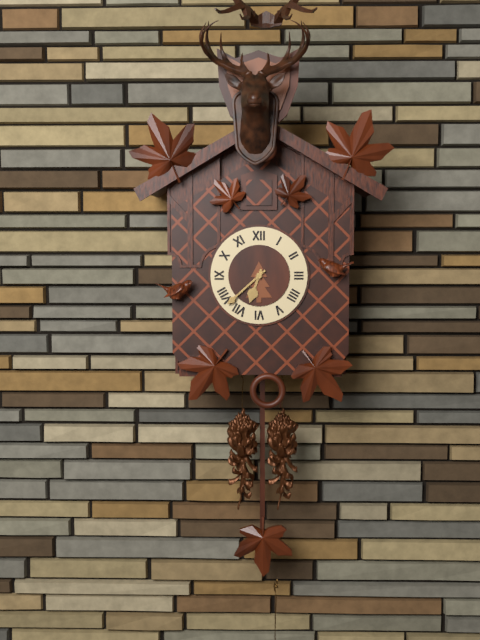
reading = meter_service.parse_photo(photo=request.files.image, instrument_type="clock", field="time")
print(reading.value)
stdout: 6:38
